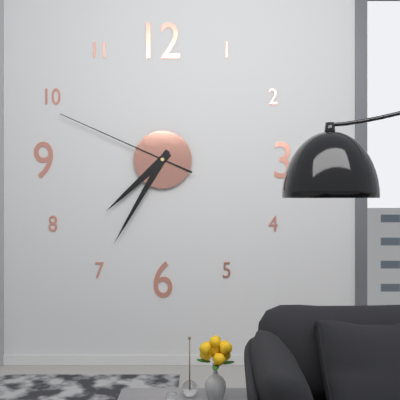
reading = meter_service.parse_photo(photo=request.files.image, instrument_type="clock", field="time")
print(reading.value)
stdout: 7:35:49
